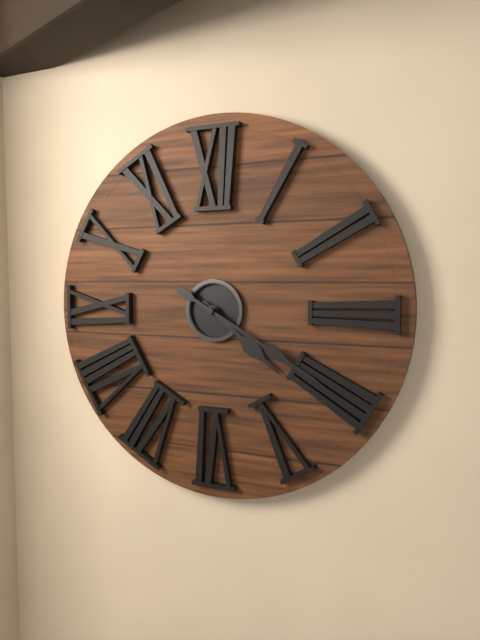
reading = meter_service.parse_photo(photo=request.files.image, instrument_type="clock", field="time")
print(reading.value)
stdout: 4:20
